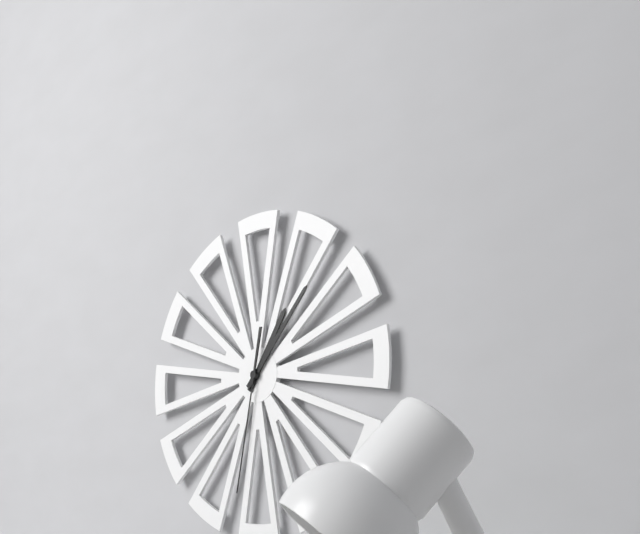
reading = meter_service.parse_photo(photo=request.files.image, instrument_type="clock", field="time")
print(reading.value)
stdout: 1:07:32
